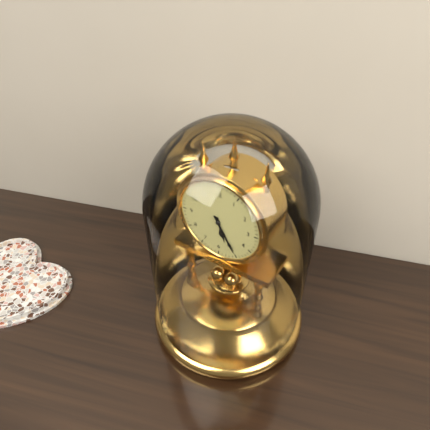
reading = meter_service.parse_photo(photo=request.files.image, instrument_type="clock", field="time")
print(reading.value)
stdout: 5:25
